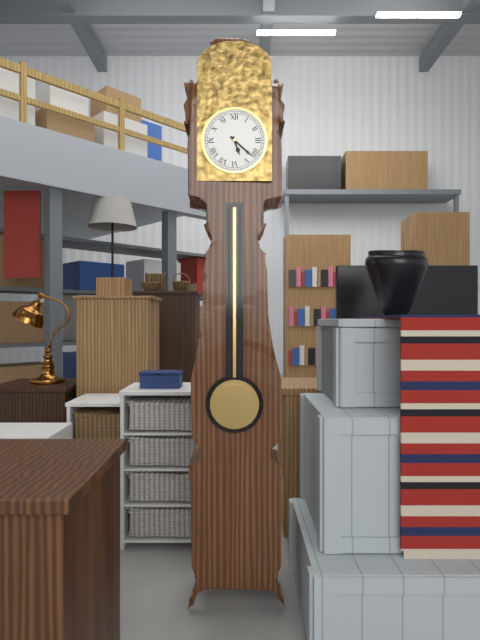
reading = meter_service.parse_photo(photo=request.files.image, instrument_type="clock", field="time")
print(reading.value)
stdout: 5:22
